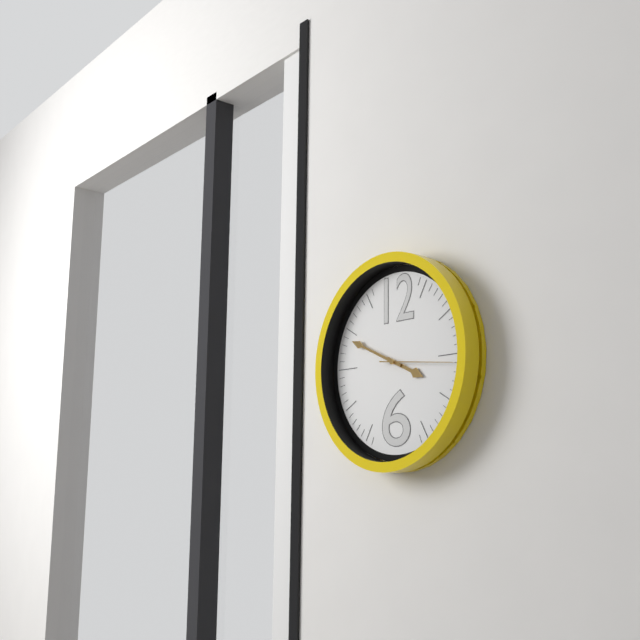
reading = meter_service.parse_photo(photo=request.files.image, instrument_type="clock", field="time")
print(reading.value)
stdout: 3:49:16
